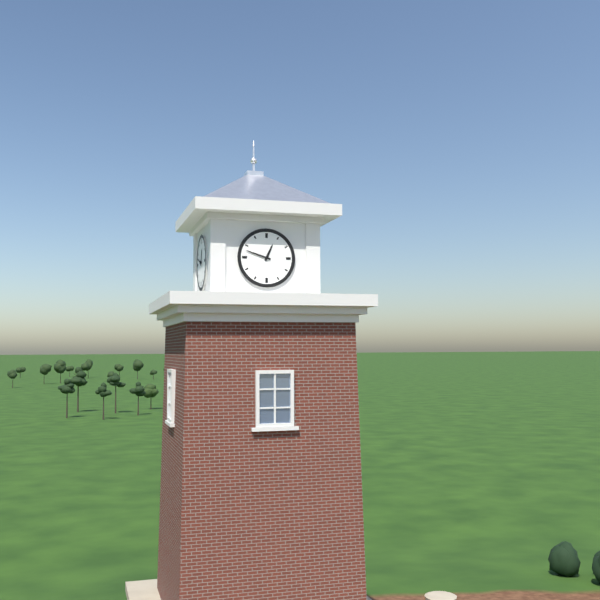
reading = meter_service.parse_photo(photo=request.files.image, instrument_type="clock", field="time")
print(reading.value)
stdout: 12:48
